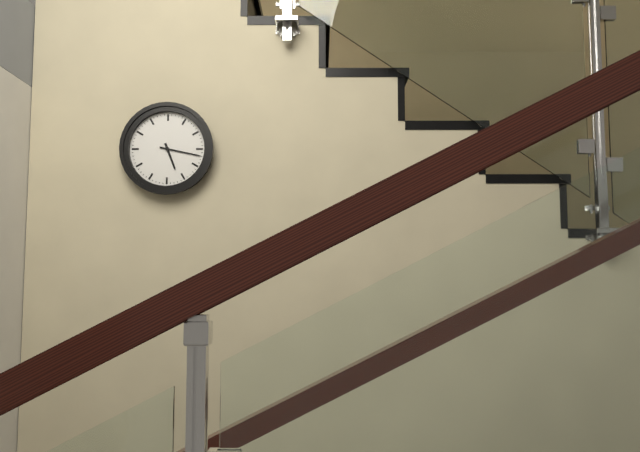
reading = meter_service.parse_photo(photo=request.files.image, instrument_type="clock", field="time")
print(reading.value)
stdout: 5:17
